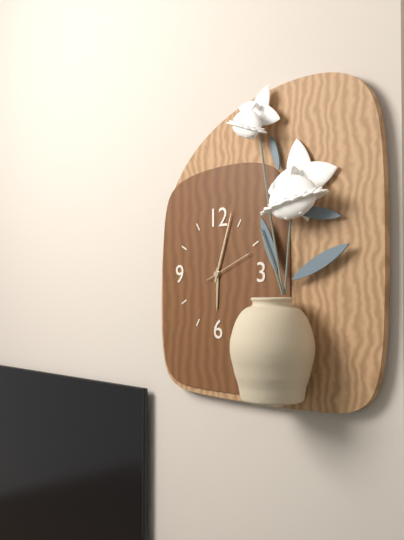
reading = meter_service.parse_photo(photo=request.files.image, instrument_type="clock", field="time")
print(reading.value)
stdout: 6:03
